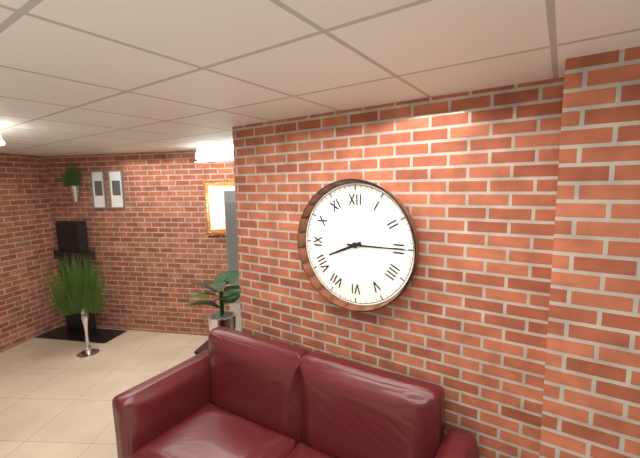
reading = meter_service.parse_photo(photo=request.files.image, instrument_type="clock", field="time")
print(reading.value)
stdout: 8:15
